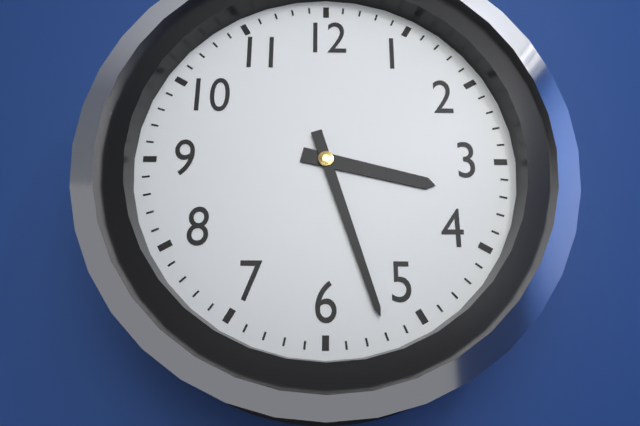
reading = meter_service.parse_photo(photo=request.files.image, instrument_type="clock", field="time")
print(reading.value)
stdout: 3:27
